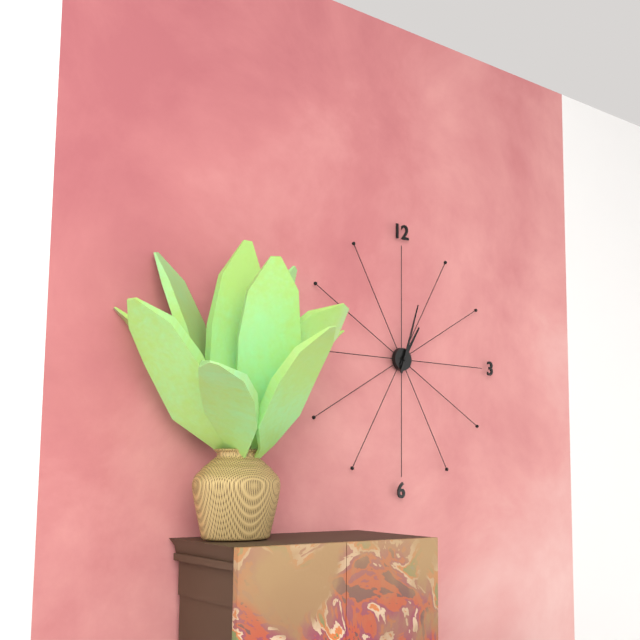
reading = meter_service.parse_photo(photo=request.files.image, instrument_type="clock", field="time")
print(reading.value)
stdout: 1:03
